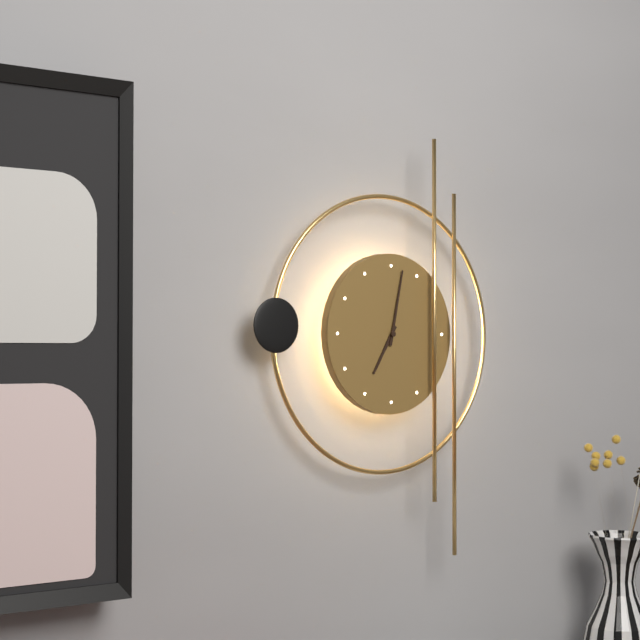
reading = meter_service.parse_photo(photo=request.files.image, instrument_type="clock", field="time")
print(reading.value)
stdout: 7:02
